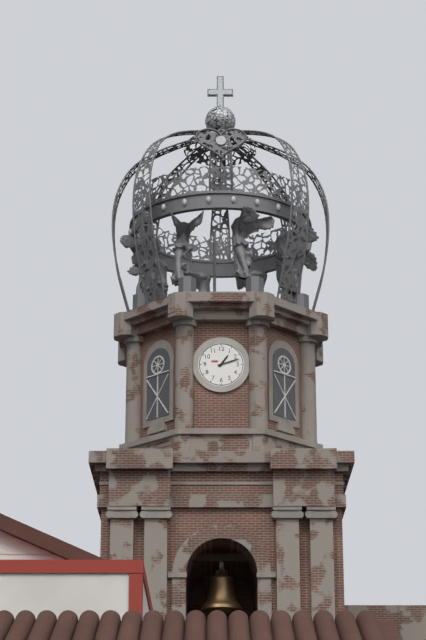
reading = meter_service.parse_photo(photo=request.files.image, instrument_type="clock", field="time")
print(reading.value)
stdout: 1:12
